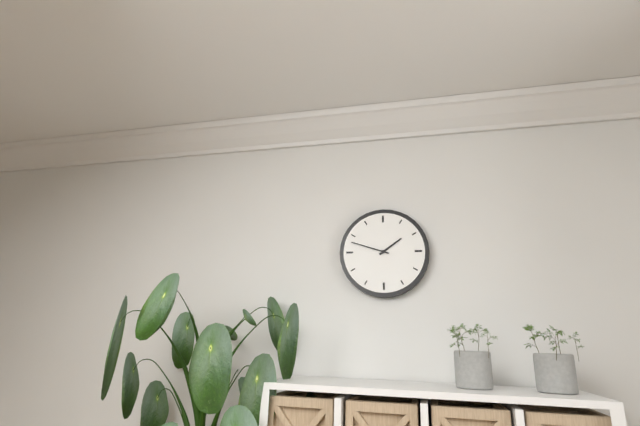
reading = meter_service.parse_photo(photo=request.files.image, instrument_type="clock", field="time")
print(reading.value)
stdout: 1:48
